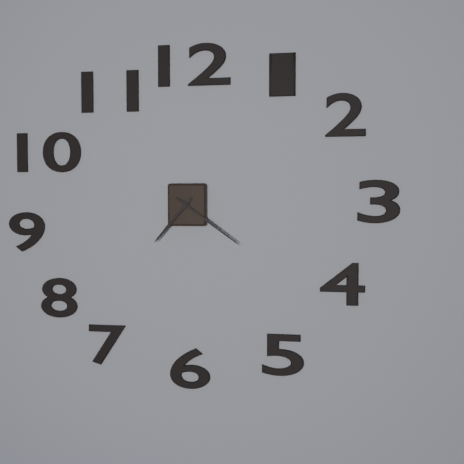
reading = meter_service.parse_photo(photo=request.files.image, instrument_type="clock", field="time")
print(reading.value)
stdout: 7:21
